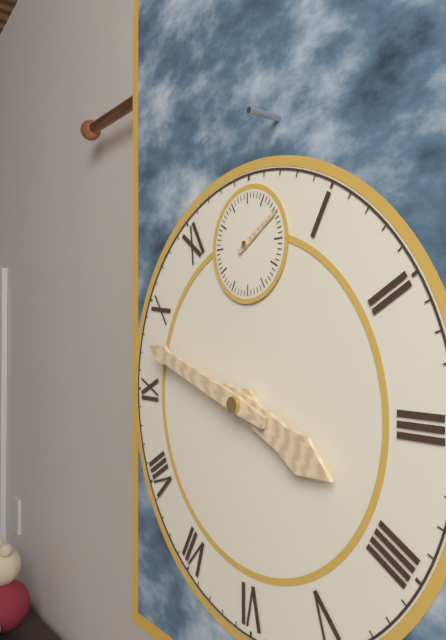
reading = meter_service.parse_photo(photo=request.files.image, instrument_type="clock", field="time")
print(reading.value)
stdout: 3:48:10
